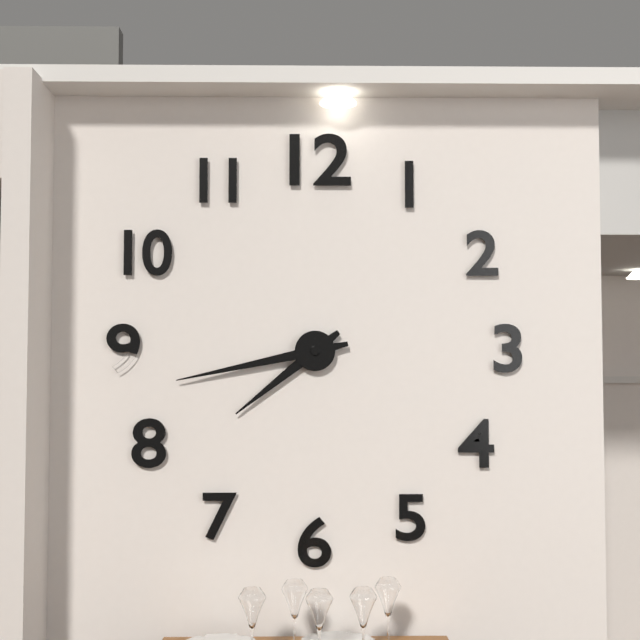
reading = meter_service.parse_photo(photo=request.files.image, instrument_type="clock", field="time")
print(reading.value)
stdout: 7:43
